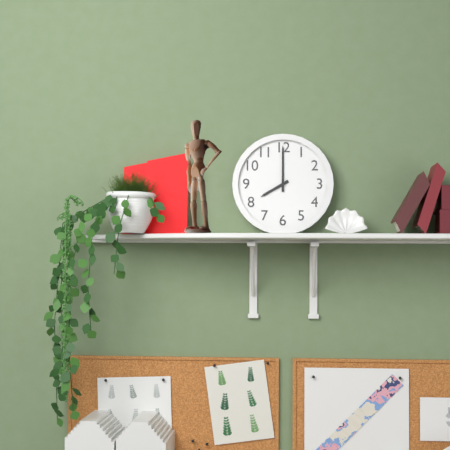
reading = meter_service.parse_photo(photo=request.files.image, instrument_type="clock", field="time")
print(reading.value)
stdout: 8:00
